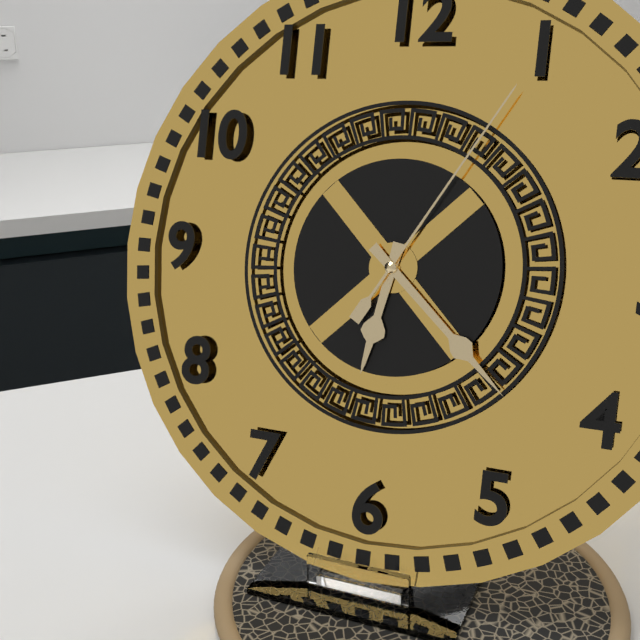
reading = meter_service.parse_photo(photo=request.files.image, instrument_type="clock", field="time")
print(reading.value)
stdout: 6:22:05
